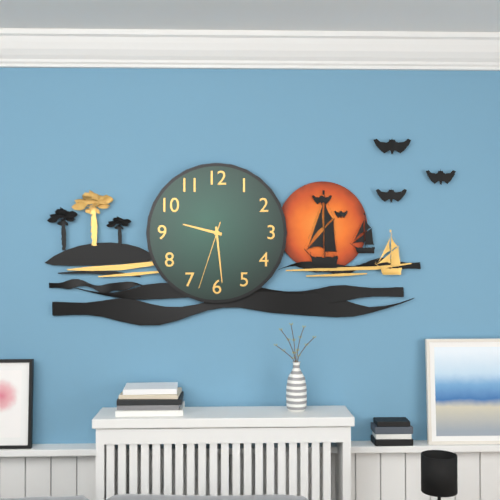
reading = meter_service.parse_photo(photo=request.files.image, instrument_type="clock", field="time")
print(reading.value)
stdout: 9:29:33
